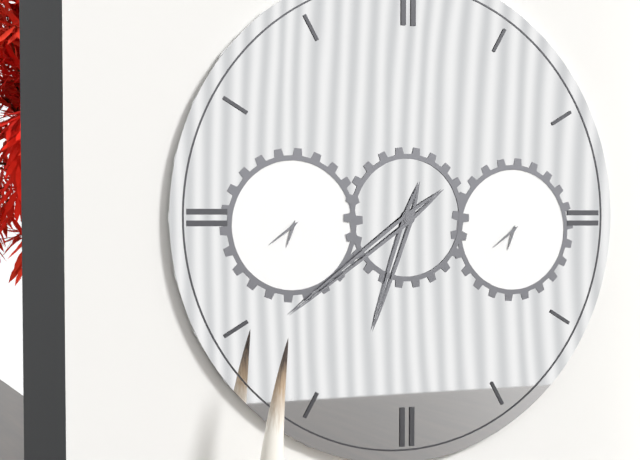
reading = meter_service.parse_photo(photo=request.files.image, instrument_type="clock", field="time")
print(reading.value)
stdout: 6:39
